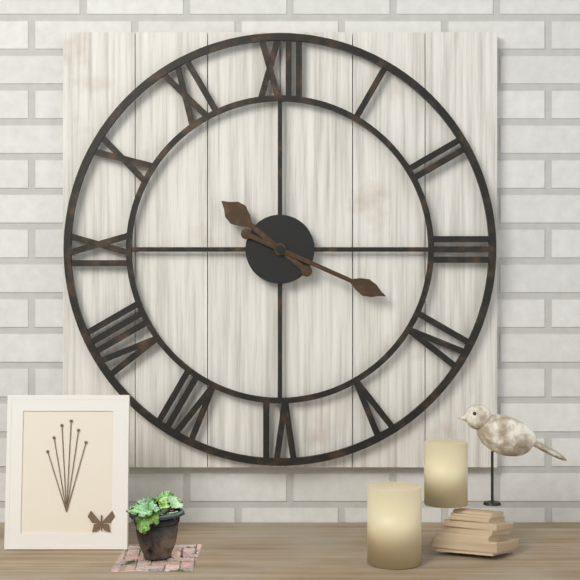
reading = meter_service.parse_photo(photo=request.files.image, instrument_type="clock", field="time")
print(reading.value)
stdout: 10:19
